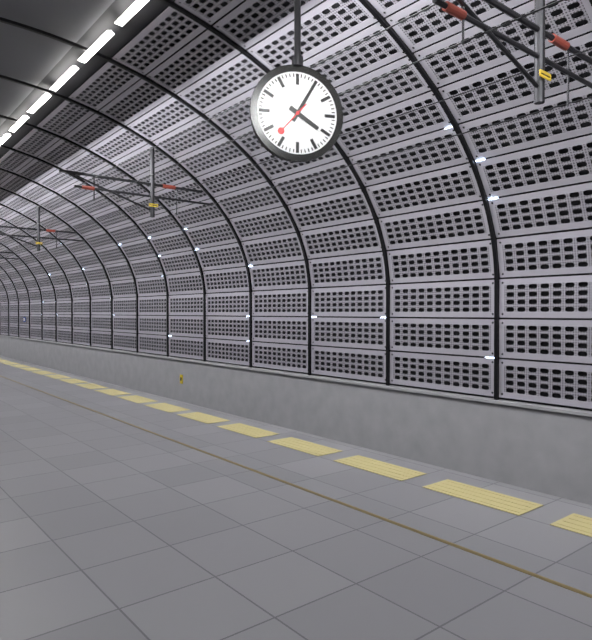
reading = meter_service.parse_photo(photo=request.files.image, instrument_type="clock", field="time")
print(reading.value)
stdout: 4:05
